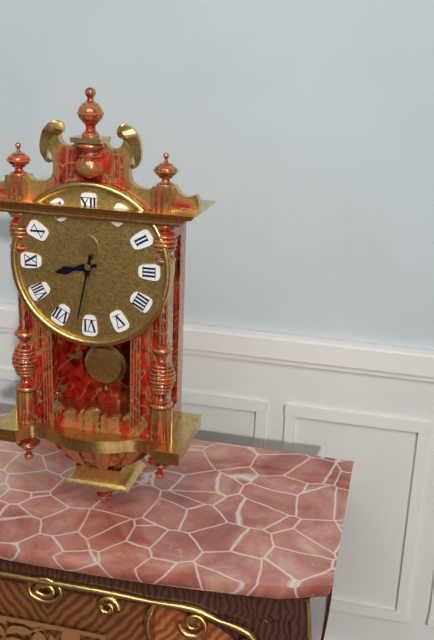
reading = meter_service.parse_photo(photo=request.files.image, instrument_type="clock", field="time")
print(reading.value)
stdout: 8:32
